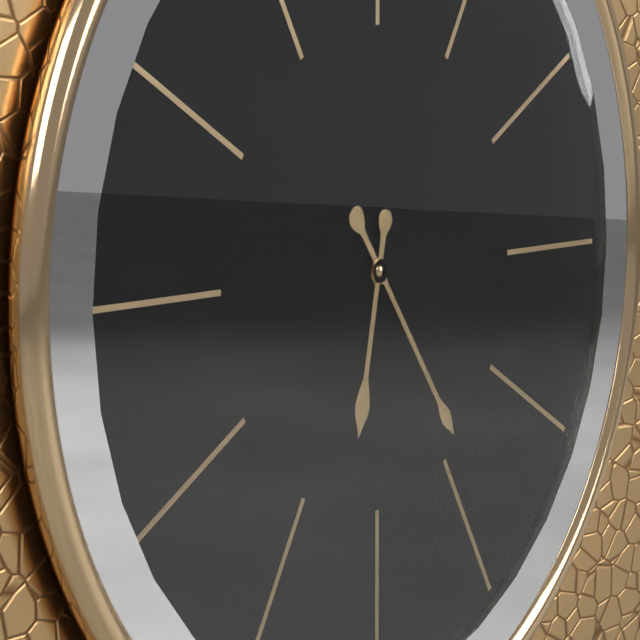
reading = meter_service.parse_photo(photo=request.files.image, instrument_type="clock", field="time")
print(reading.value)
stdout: 6:24
